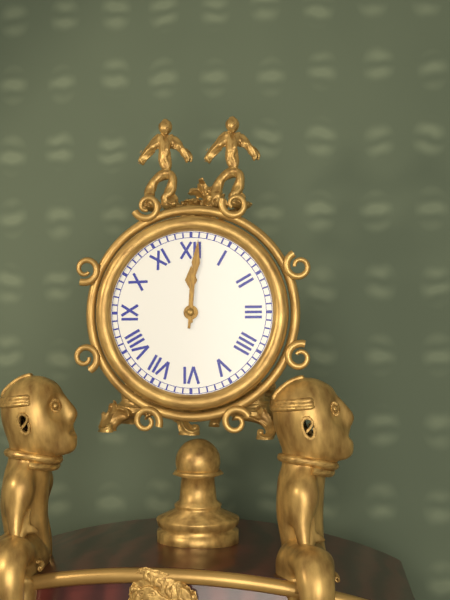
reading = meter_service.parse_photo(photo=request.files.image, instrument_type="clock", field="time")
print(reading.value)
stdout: 12:01
